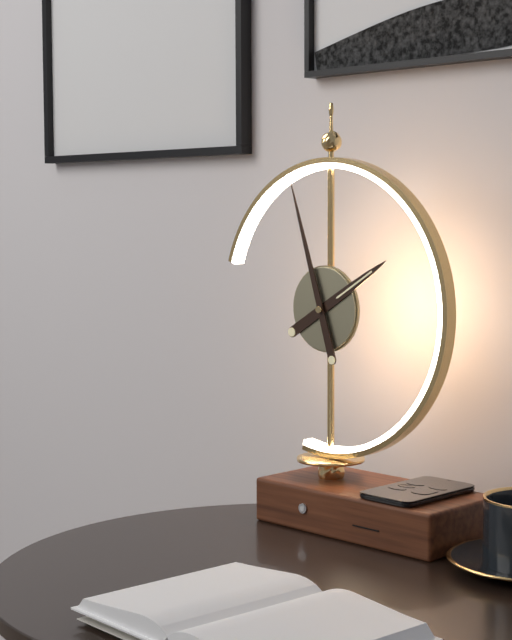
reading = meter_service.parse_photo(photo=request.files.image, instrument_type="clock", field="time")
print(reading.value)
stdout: 1:57
